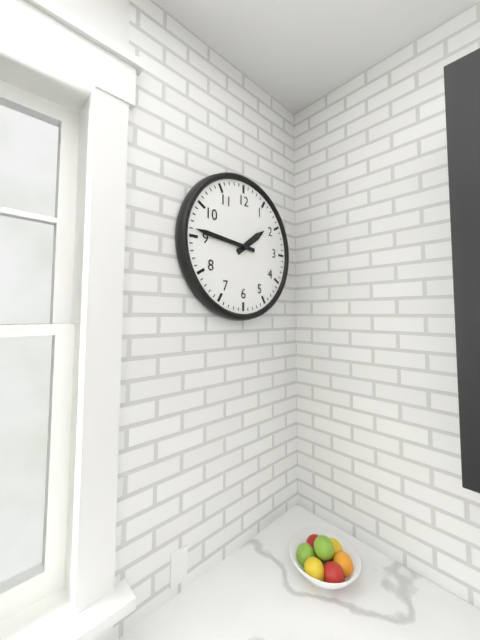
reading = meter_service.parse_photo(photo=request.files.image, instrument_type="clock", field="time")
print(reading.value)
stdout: 1:46
